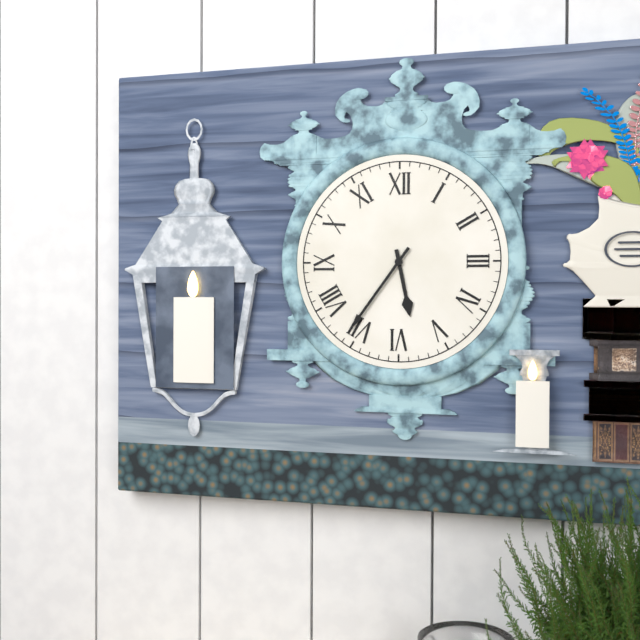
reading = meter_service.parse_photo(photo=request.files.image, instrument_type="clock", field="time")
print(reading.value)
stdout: 5:36
